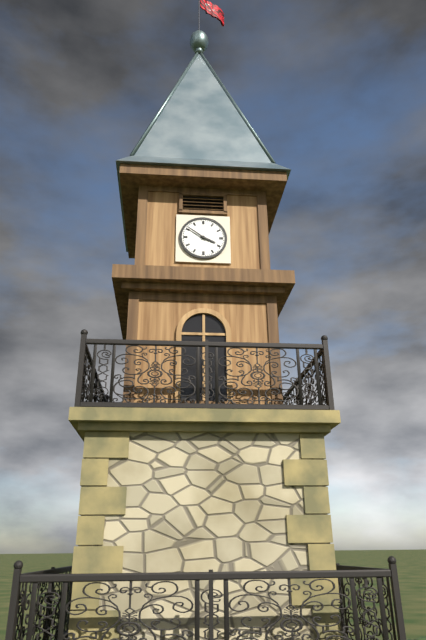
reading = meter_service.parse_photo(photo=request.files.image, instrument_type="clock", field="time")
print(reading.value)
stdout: 3:51
